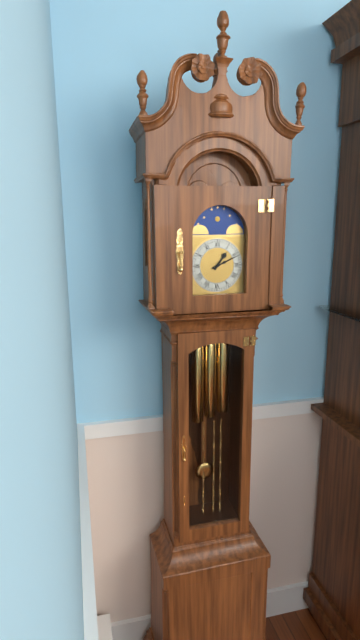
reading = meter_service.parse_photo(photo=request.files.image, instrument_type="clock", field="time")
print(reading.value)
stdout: 1:11
